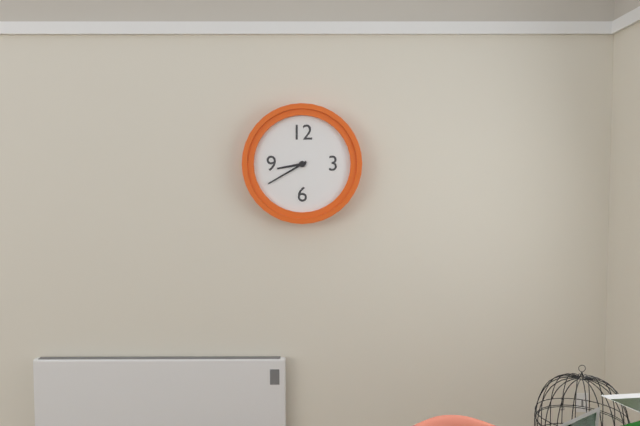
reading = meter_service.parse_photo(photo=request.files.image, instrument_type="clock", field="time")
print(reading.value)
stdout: 8:40
